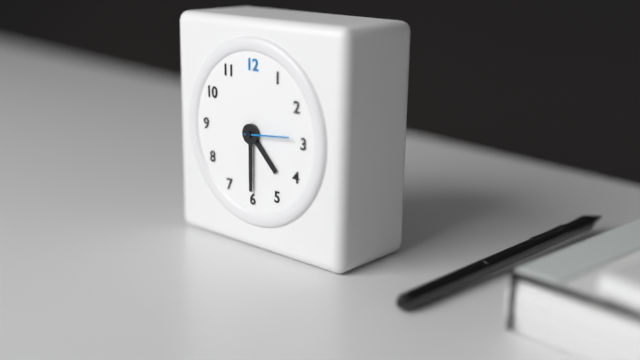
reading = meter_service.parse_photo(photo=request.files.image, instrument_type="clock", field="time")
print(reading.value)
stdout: 4:30:14
